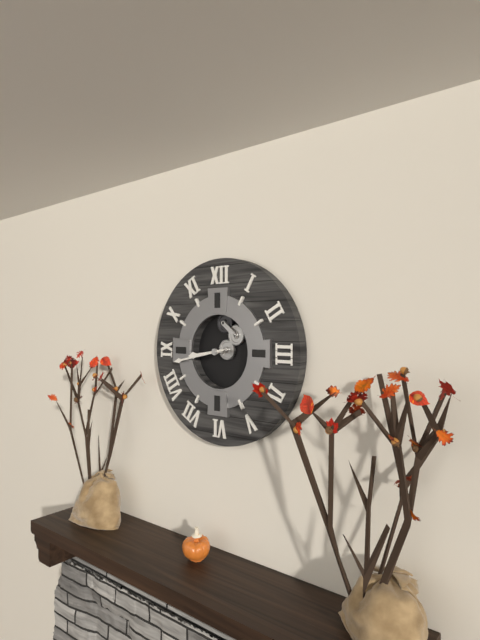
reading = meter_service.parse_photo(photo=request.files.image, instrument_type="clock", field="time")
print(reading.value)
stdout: 8:43
